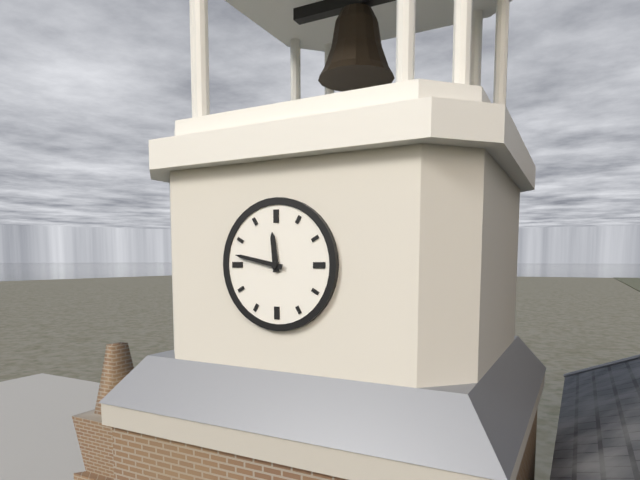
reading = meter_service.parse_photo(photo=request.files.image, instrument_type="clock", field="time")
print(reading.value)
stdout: 11:47
